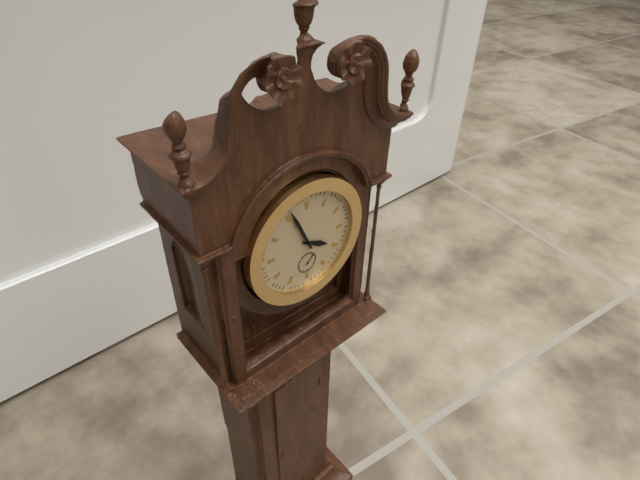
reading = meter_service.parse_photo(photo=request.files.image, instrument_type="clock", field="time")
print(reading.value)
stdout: 3:56
